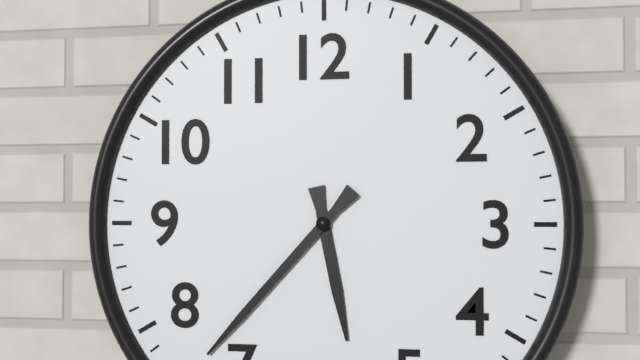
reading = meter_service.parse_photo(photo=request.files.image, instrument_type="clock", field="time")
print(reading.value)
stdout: 5:37
